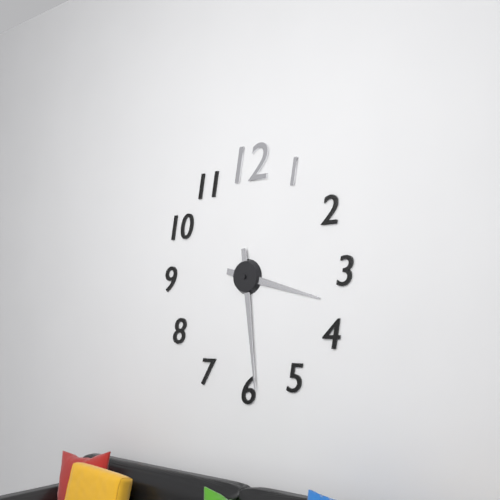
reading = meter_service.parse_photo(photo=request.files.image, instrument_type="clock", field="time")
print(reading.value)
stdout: 3:29
